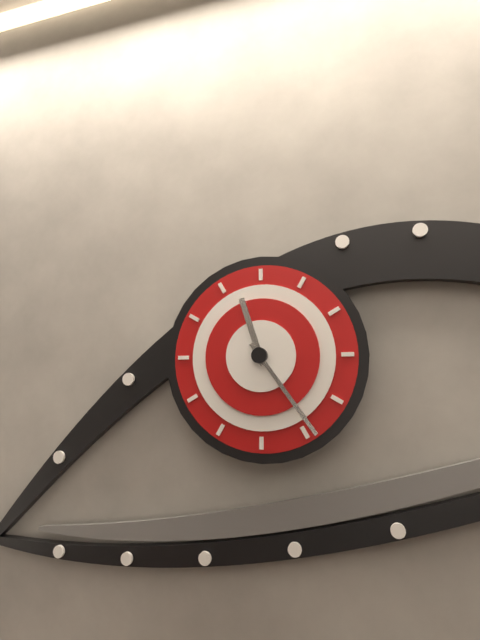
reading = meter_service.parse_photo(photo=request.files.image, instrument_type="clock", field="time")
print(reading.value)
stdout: 11:24
